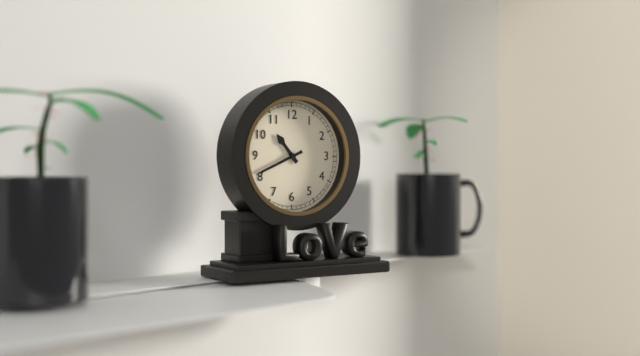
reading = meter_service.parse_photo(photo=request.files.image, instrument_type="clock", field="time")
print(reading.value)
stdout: 10:41
